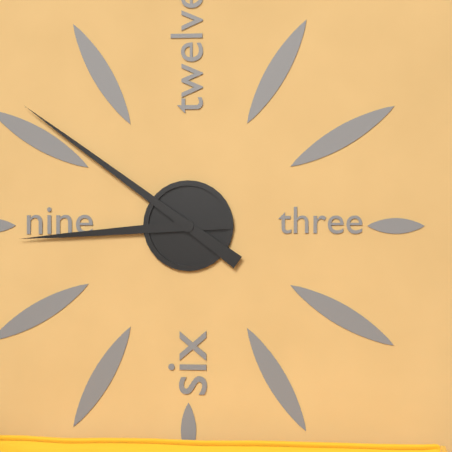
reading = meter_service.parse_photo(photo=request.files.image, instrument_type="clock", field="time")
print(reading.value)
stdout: 8:51
